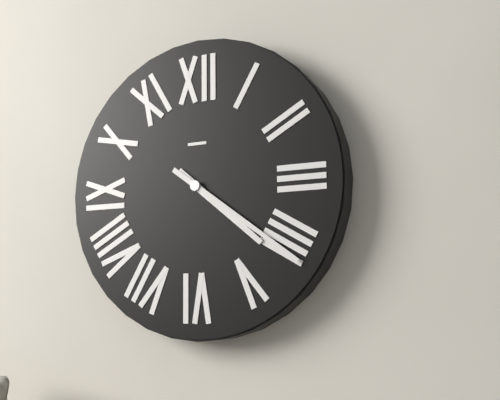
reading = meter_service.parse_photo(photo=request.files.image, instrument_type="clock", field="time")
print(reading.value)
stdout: 4:21
